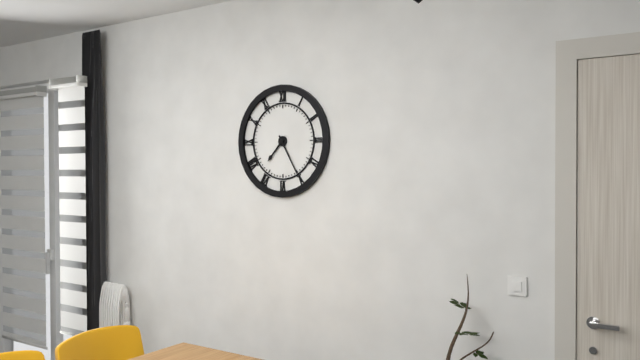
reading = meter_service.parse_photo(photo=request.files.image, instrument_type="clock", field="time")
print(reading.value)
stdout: 7:25
